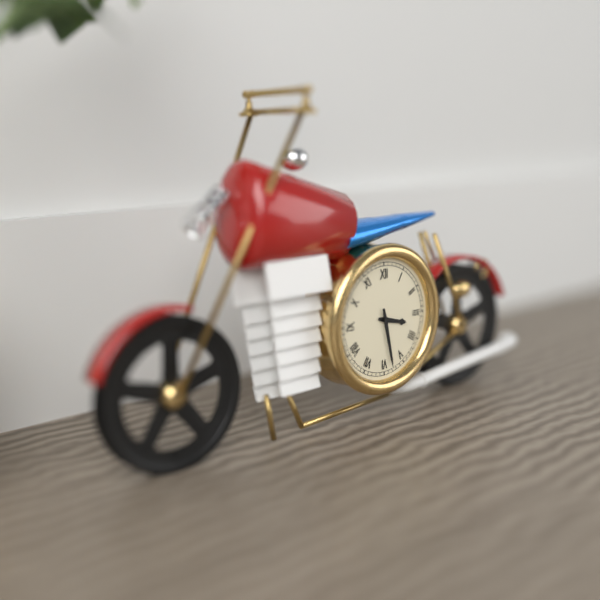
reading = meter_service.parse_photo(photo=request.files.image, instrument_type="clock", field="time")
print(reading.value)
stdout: 3:28
